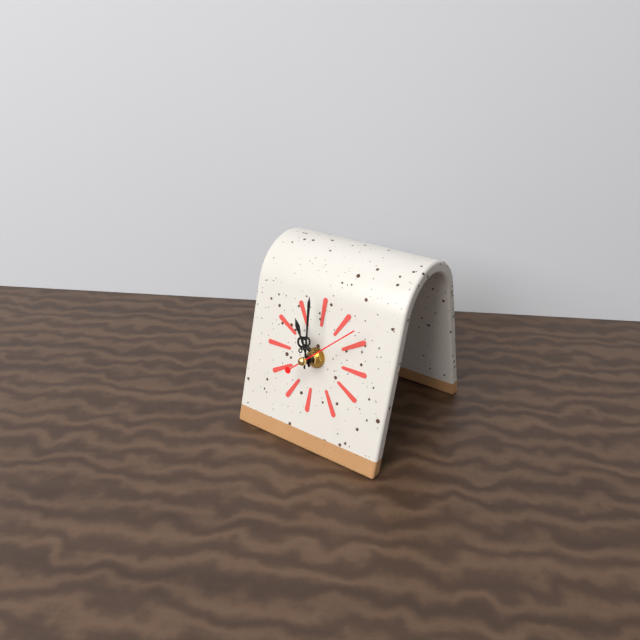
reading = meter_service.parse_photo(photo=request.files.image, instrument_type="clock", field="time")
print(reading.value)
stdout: 10:59:08
